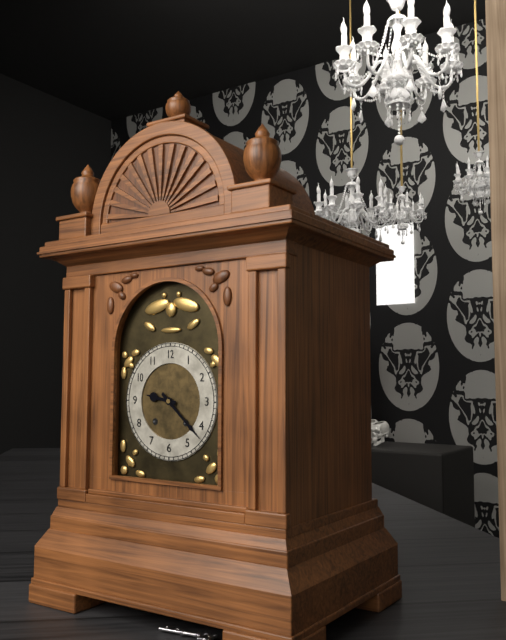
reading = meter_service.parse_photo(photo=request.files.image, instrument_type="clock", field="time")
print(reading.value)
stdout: 9:22
